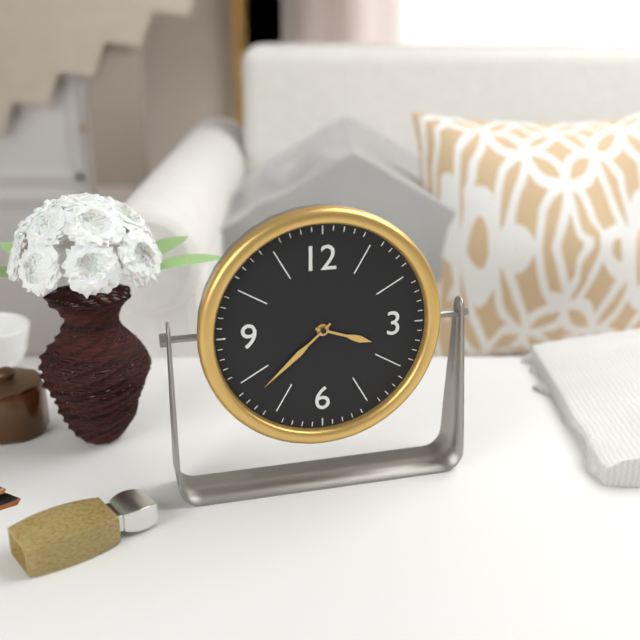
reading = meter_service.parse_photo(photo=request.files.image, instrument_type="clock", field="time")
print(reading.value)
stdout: 3:38
